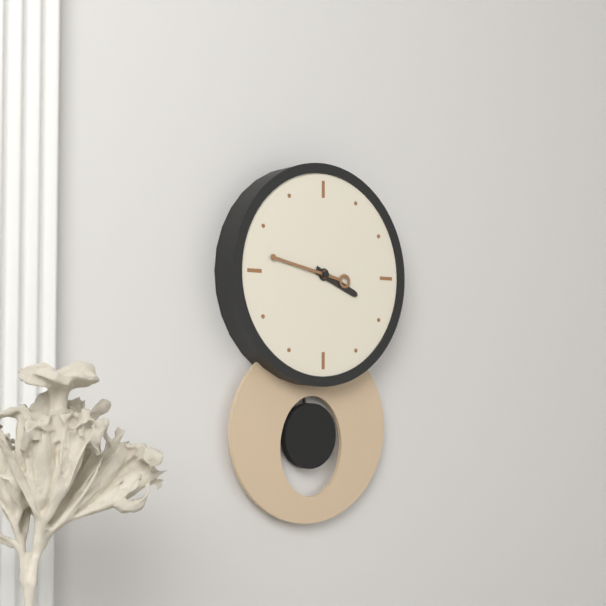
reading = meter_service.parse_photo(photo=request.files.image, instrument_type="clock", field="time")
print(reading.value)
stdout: 3:47
